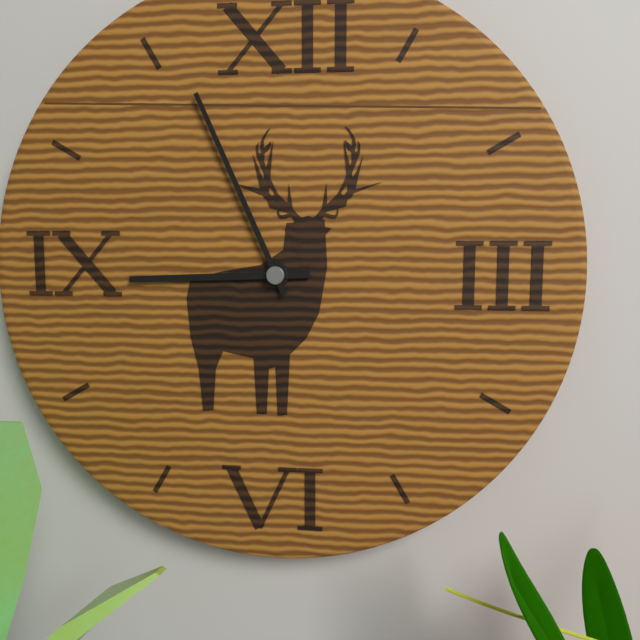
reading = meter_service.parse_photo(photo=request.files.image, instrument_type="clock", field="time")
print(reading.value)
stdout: 8:56
